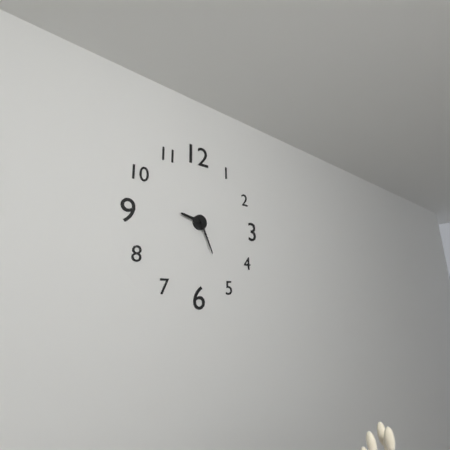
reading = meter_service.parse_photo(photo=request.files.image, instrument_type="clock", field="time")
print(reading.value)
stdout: 9:26
